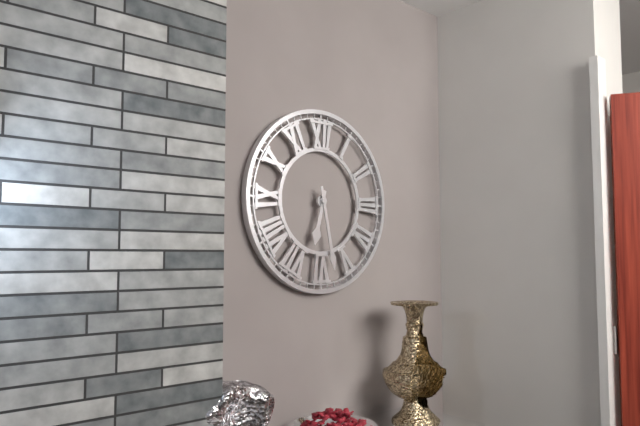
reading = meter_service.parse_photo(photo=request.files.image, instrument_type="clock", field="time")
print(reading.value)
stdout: 6:28
